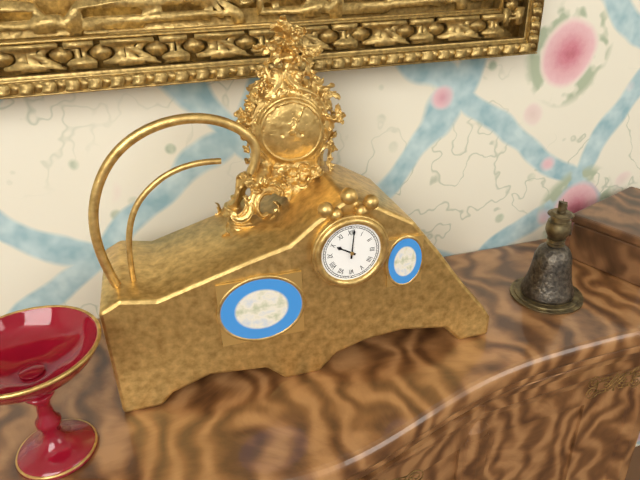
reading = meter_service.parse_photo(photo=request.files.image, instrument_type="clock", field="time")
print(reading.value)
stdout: 10:01
